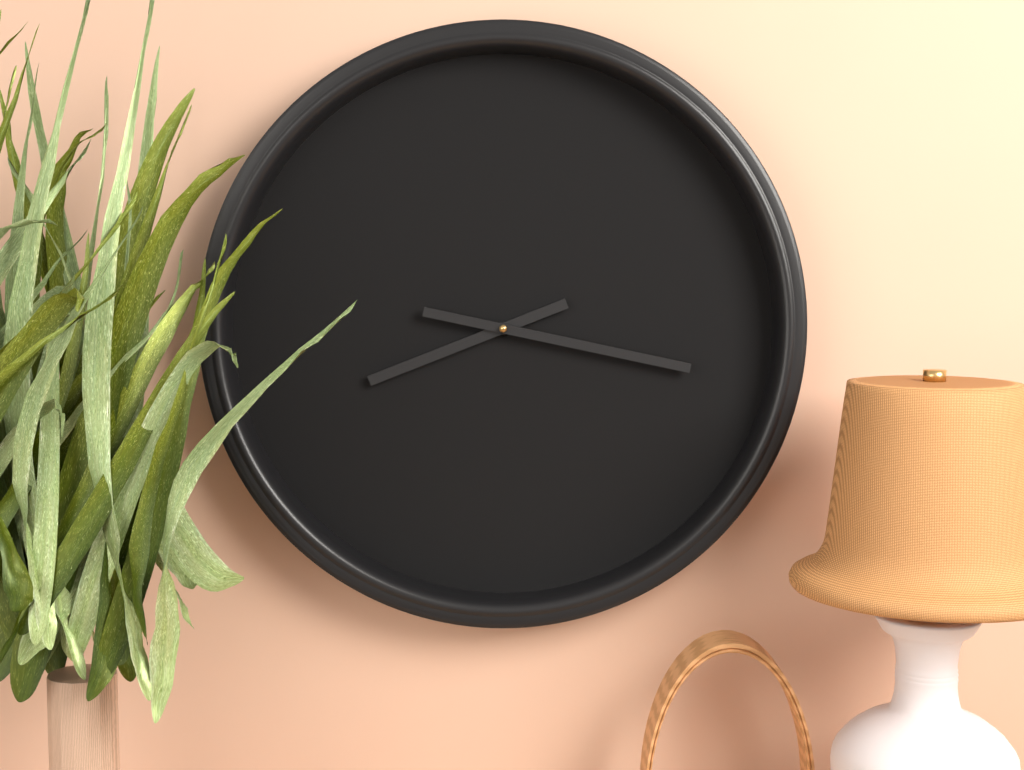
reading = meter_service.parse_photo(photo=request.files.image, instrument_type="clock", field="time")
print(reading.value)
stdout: 8:17
